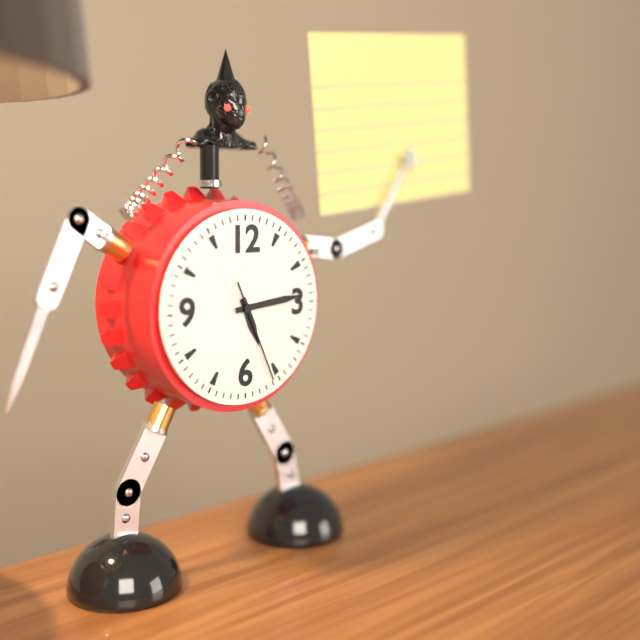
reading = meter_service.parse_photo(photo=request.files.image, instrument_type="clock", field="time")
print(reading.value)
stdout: 5:14:26
